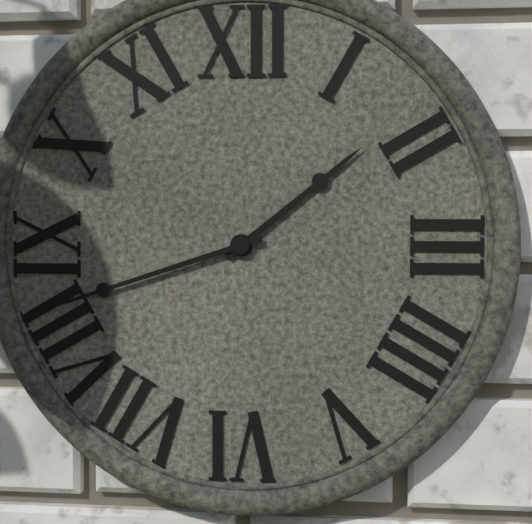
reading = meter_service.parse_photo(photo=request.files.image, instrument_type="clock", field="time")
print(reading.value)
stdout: 1:42
